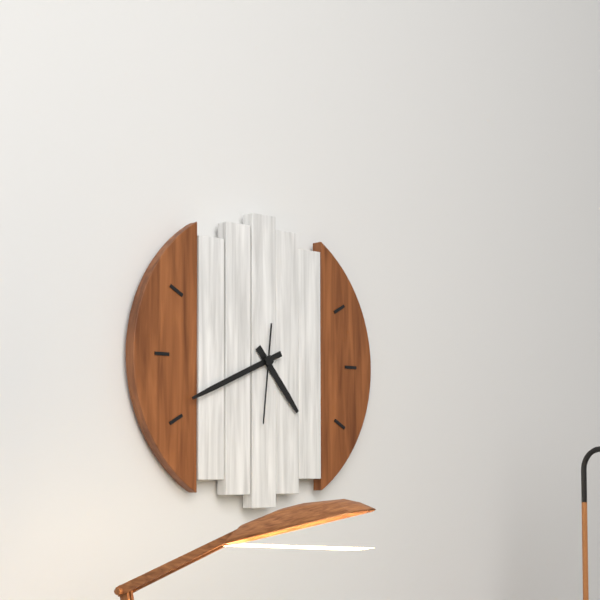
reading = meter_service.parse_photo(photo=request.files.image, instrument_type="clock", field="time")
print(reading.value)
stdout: 4:41:31
